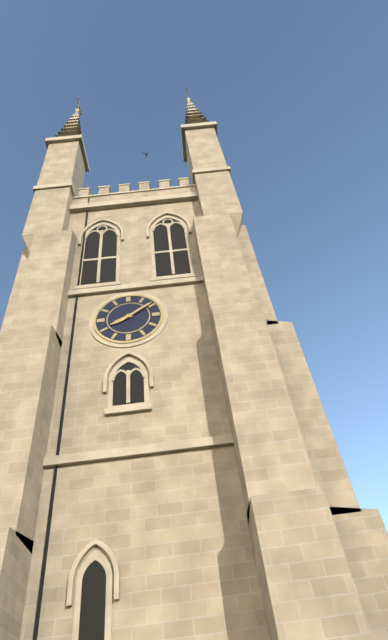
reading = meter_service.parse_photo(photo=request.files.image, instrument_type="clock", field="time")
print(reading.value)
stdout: 8:09
